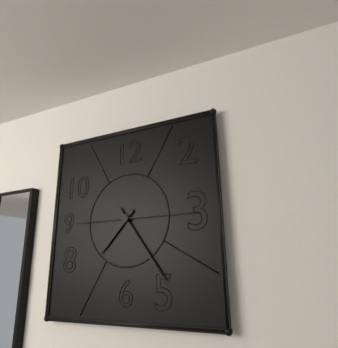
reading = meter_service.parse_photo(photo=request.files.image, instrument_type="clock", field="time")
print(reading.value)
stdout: 7:24:15
